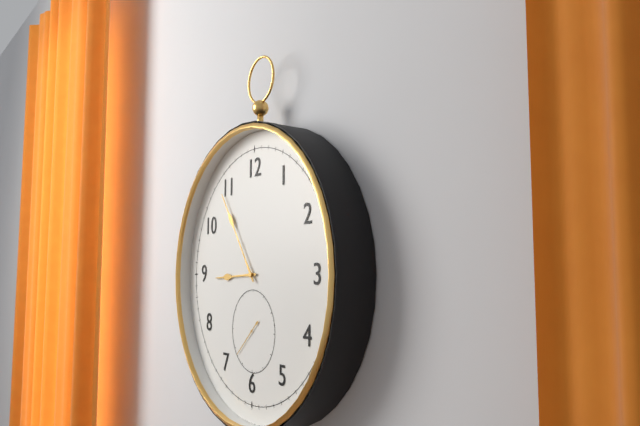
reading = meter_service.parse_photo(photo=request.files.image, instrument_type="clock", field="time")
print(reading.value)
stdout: 8:54
